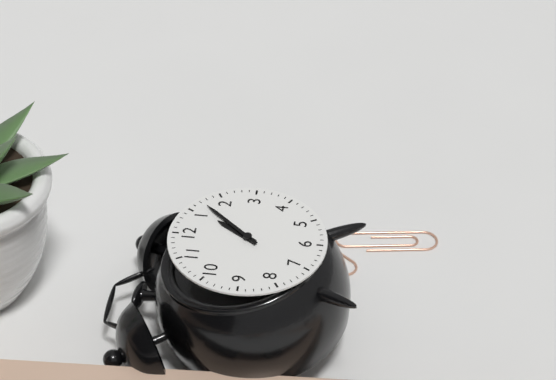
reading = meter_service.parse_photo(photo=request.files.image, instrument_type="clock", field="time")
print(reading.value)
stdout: 1:07
